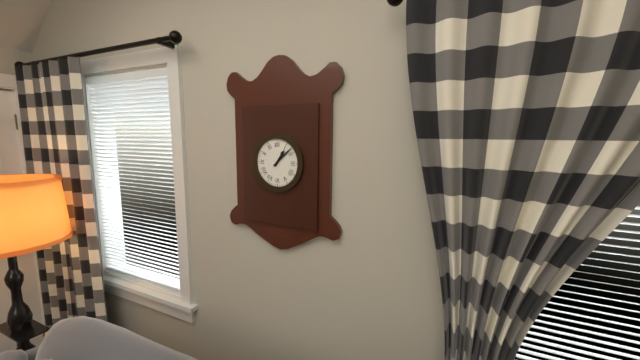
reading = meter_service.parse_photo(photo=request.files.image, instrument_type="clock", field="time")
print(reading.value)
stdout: 1:08
